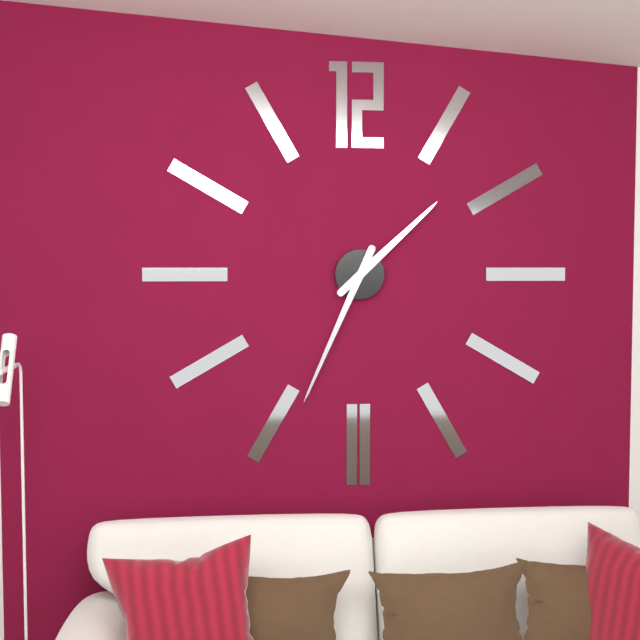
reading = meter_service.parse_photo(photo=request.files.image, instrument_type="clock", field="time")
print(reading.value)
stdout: 1:34
